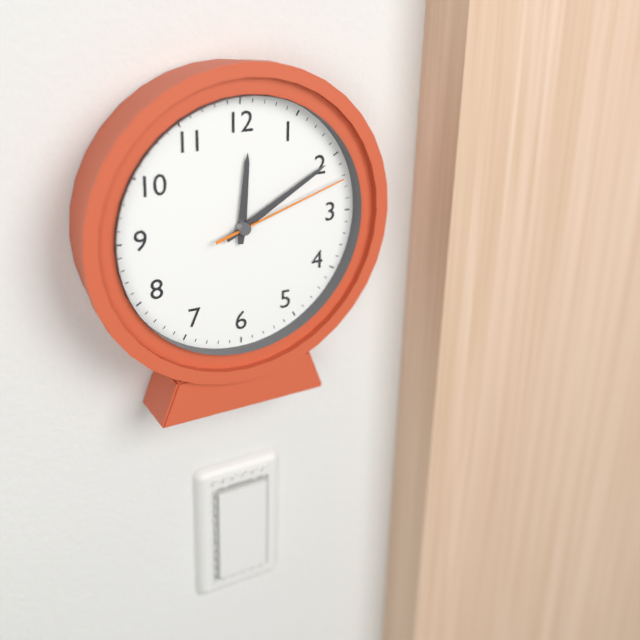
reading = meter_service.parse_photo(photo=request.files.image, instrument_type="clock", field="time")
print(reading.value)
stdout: 12:10:12
